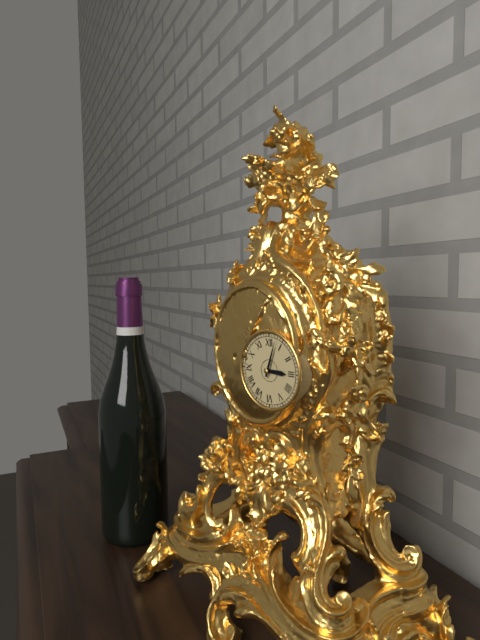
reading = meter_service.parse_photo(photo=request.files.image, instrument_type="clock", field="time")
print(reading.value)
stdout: 3:03
